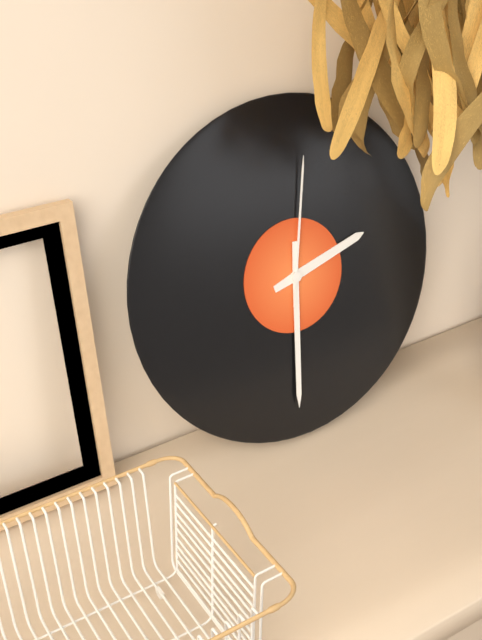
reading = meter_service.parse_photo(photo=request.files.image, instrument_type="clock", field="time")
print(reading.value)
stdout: 2:31:02
